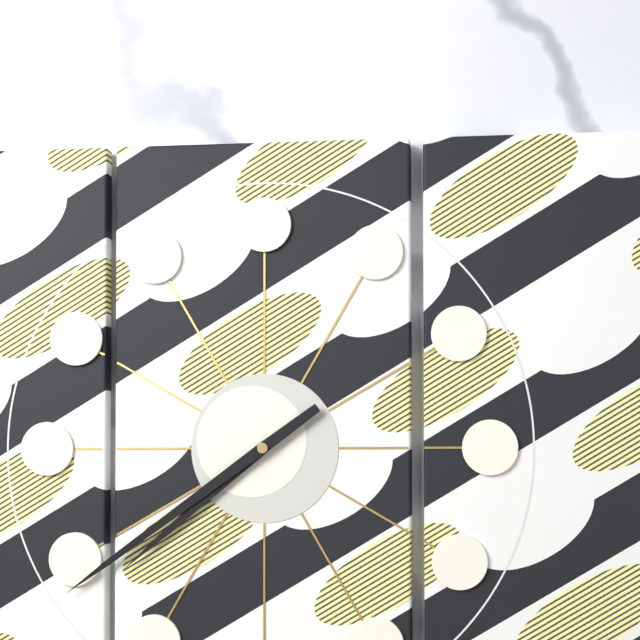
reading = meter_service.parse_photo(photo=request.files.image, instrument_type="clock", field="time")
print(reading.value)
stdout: 7:39
